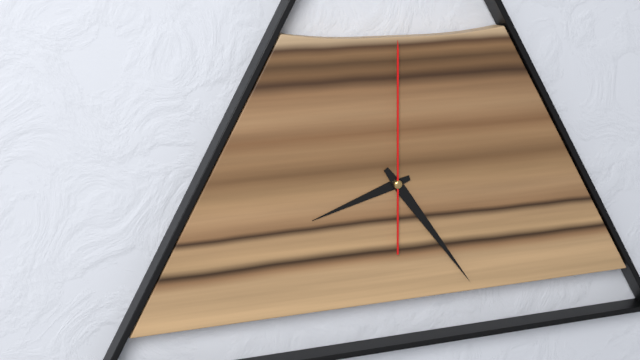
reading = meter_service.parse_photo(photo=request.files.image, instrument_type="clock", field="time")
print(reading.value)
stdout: 8:24:00
